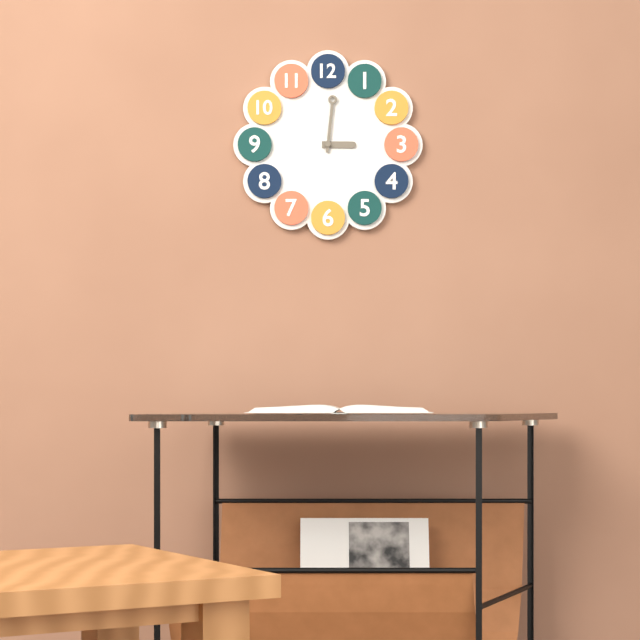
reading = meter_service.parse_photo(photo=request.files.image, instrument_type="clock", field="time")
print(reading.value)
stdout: 3:01
